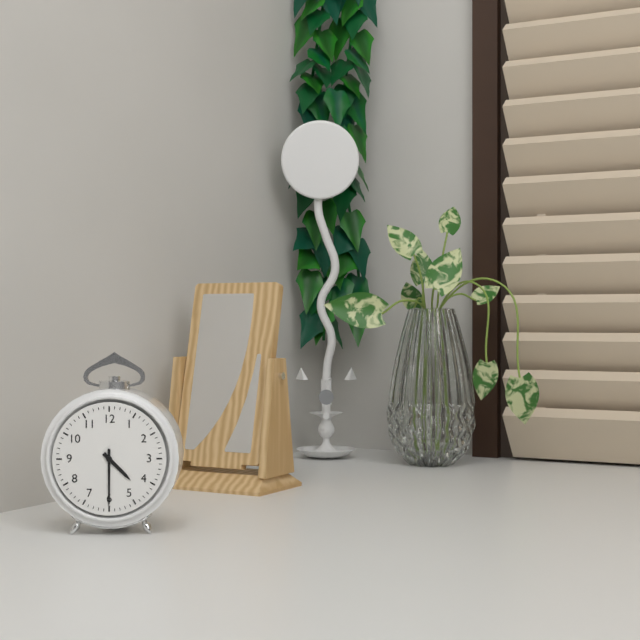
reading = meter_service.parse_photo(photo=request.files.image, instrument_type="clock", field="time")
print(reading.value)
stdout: 4:30
